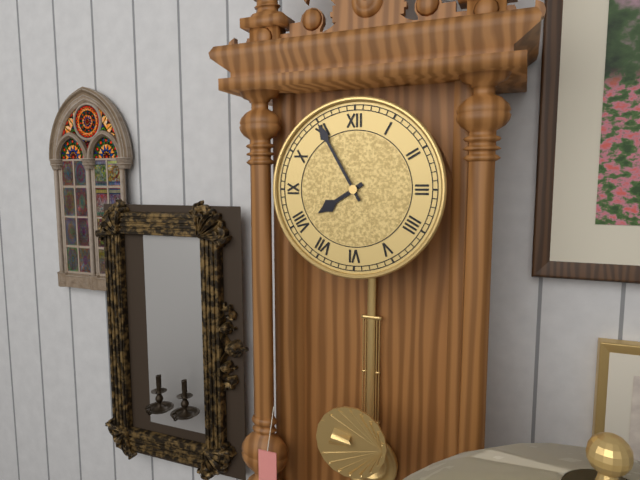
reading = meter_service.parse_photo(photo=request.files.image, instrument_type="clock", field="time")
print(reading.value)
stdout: 7:55
